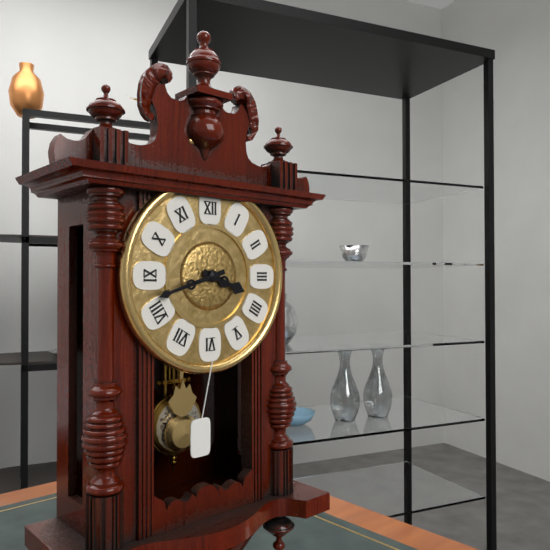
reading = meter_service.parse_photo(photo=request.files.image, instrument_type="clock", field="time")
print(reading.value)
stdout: 3:42
